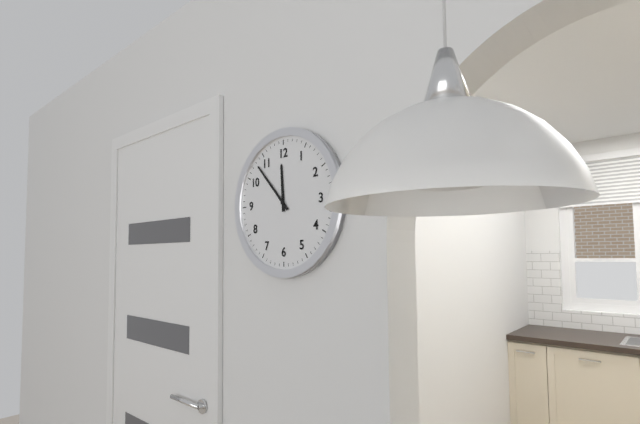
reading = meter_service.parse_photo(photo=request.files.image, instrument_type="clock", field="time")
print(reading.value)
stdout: 11:53
